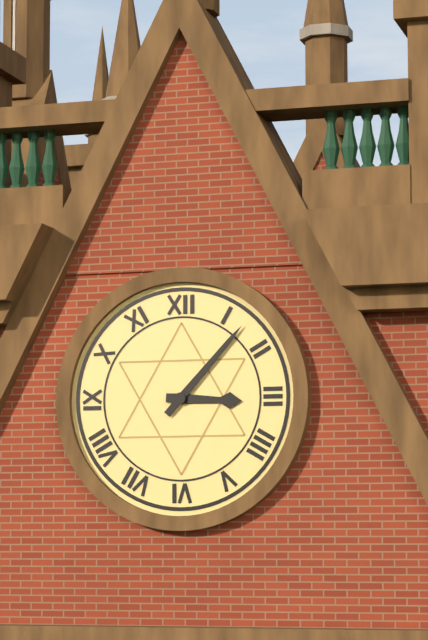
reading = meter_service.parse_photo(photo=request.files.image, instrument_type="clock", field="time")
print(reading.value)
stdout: 3:07
